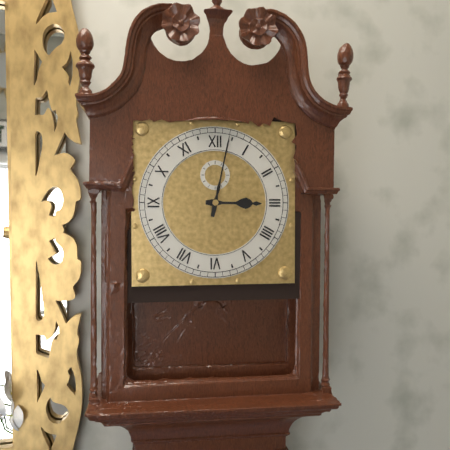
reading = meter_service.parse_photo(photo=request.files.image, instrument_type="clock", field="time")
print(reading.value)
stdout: 3:02
